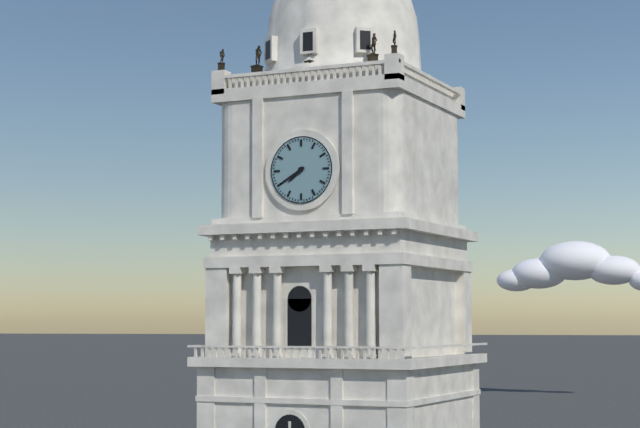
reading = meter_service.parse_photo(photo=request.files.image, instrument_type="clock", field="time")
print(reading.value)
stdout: 7:40
